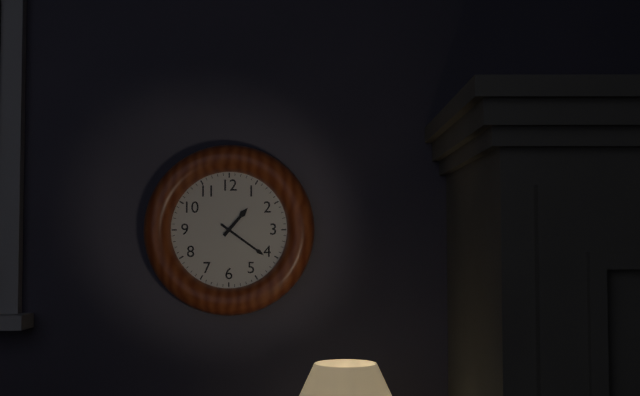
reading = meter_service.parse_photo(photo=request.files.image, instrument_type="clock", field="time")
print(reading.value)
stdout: 1:21
